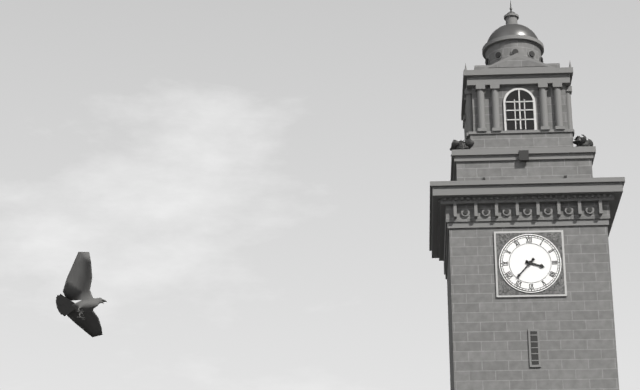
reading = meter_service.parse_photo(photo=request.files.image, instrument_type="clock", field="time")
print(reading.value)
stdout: 3:37
